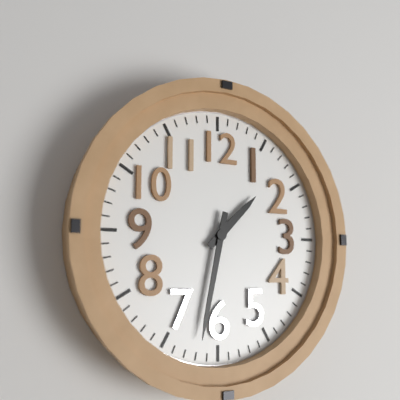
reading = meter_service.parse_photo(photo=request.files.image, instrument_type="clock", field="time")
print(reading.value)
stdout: 1:32
